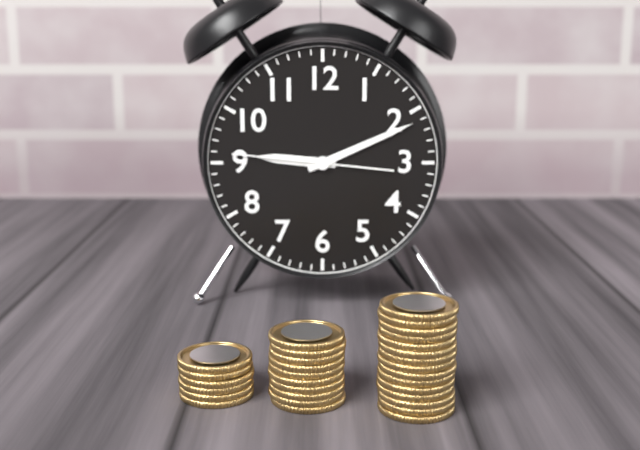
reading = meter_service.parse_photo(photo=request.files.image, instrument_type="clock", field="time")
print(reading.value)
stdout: 9:11:46
